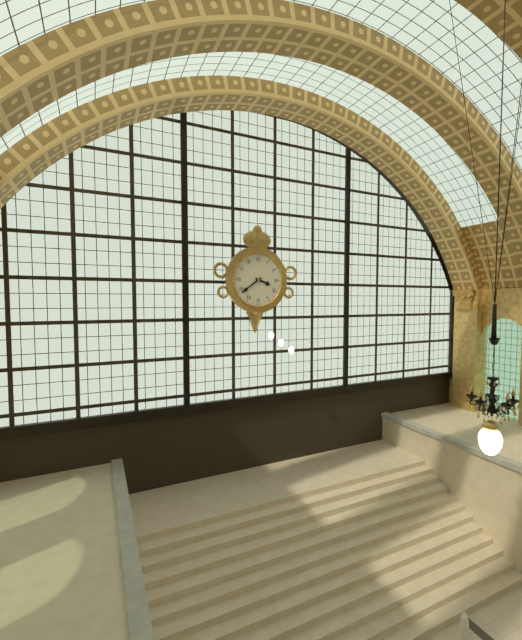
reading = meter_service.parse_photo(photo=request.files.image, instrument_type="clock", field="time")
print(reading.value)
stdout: 3:39
